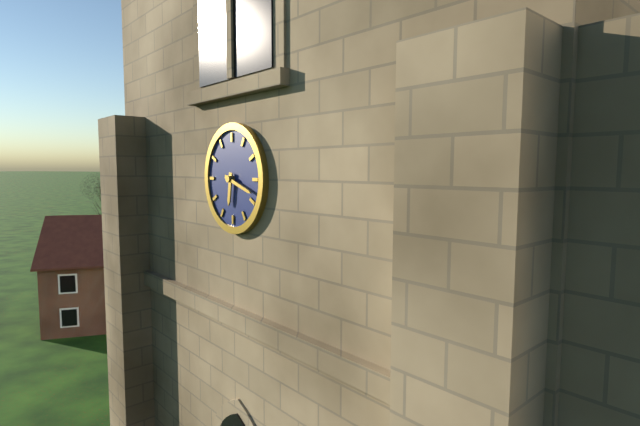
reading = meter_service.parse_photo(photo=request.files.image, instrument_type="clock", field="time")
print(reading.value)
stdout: 6:18
